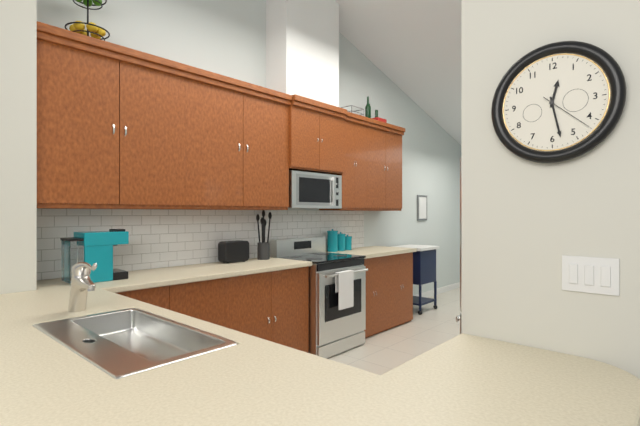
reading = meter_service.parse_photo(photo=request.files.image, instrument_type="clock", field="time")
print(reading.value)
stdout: 12:28:22
